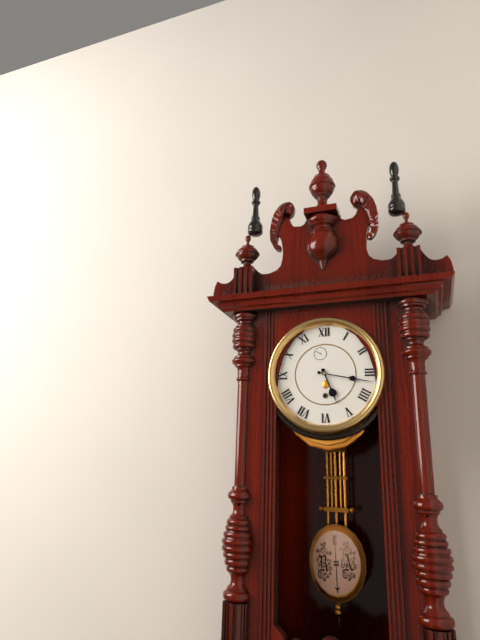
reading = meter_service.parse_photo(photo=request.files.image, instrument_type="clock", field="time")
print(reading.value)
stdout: 5:17
